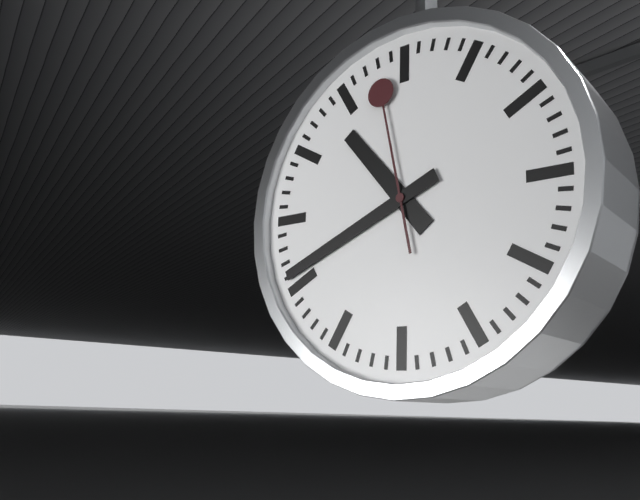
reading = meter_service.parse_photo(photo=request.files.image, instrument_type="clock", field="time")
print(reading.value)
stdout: 10:41:58
